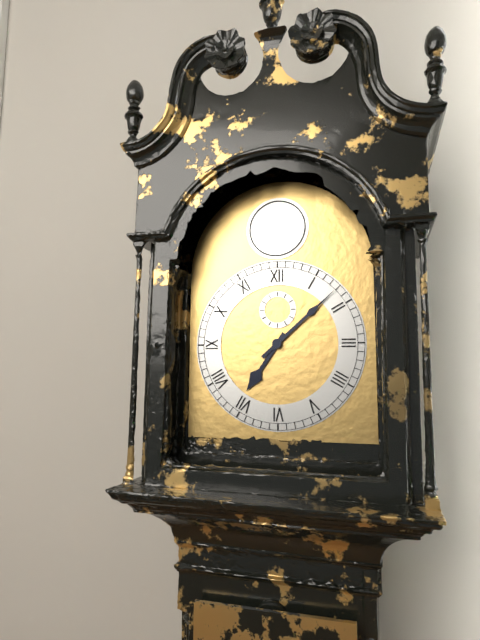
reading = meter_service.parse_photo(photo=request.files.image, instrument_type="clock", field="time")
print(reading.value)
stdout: 7:08
